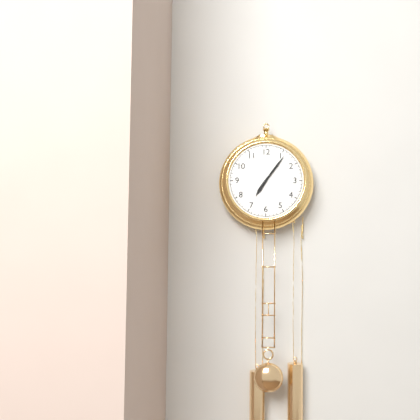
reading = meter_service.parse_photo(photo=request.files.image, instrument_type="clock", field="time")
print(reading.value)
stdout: 7:06
